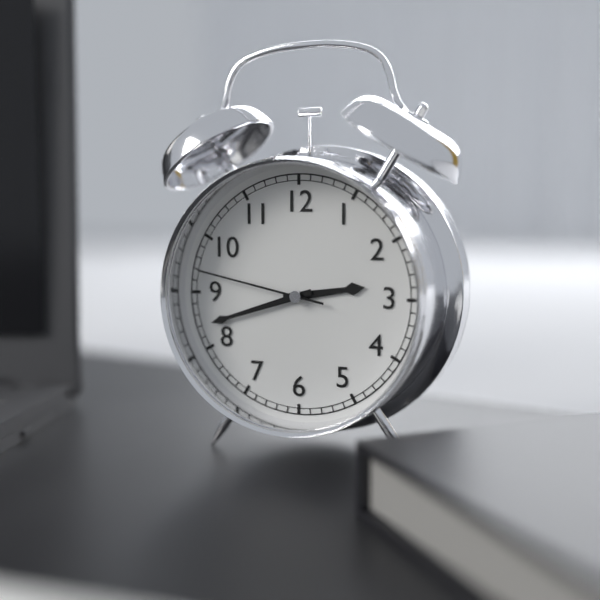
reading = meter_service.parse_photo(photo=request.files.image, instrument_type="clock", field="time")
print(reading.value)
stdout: 2:42:47
